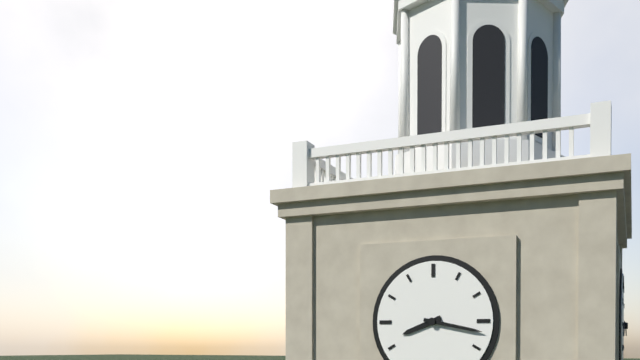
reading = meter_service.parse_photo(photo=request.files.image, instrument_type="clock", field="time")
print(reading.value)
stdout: 8:17
